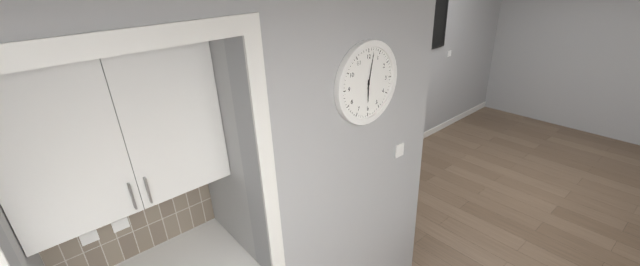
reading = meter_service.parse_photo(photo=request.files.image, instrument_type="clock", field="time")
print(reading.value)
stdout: 6:02
